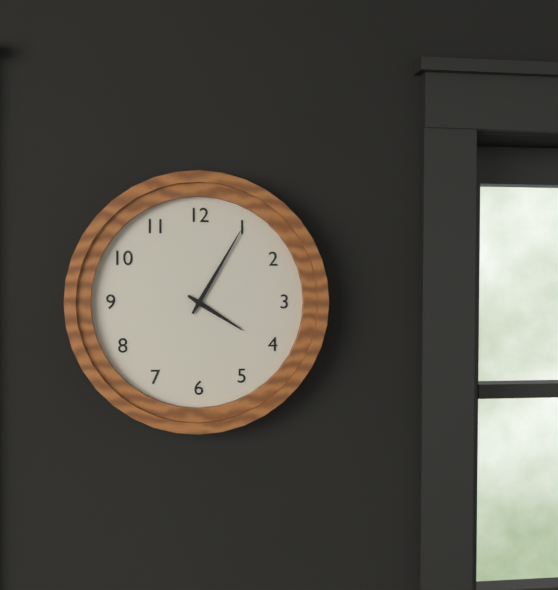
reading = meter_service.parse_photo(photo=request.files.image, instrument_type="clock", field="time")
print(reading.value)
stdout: 4:05
